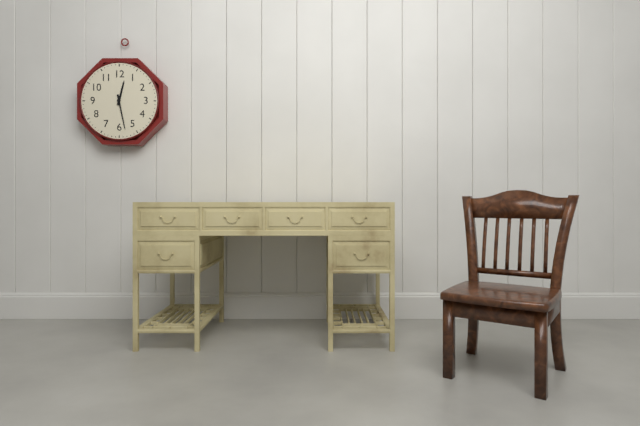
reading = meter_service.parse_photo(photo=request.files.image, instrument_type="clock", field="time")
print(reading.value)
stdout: 12:28
